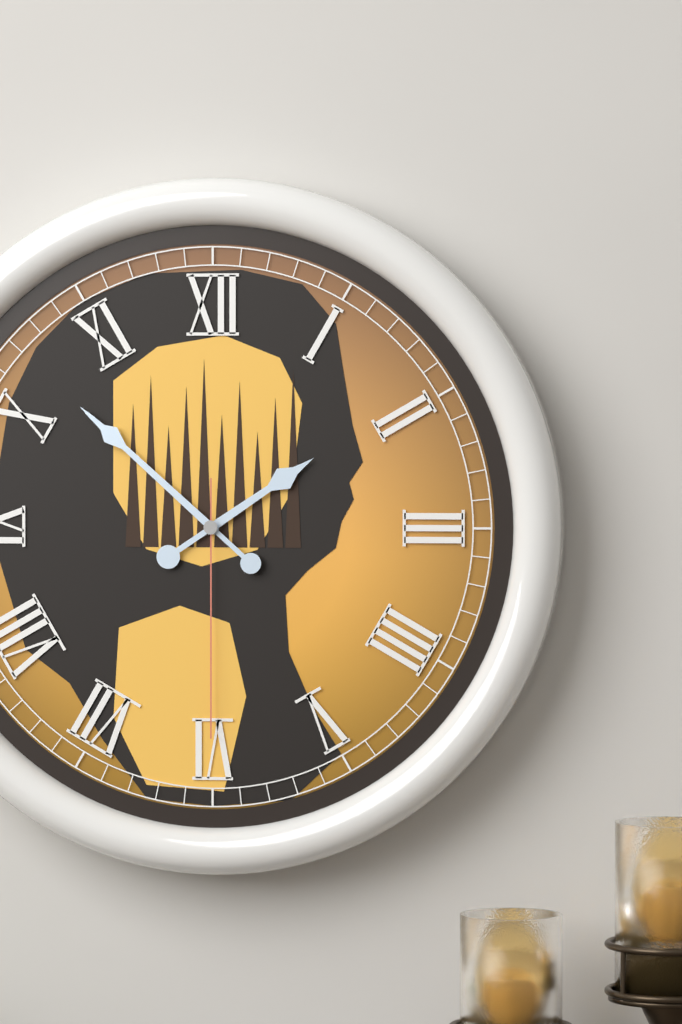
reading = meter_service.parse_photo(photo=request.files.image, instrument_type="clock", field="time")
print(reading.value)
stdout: 1:52:30
